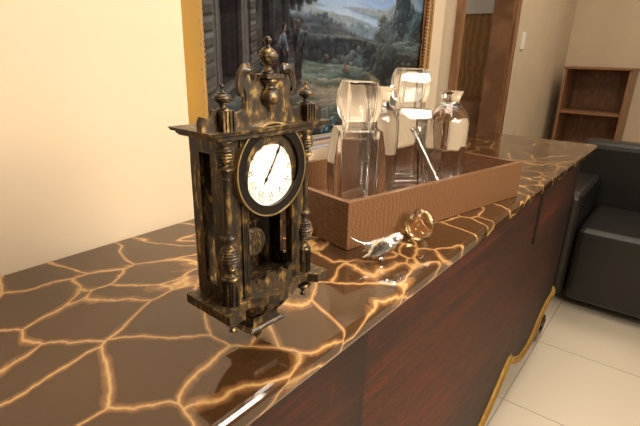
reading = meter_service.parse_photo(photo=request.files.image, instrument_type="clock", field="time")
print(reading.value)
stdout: 7:05
